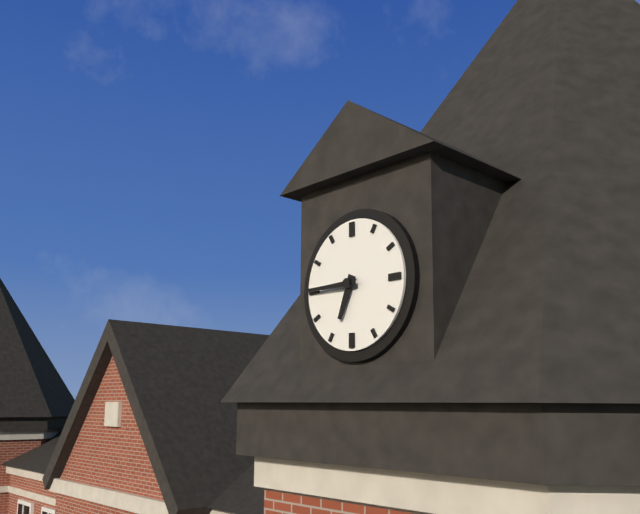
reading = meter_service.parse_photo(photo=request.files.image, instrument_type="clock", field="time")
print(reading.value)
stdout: 6:45
